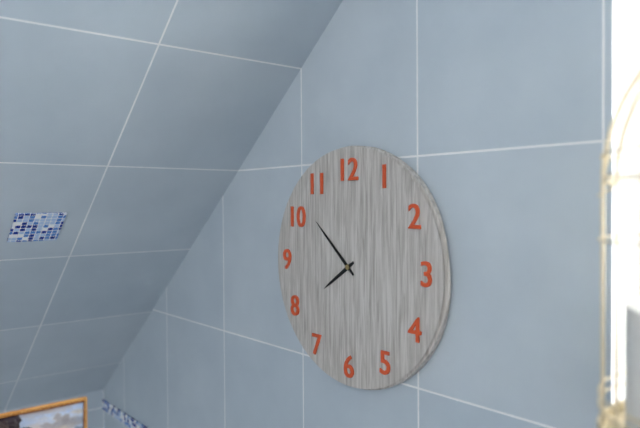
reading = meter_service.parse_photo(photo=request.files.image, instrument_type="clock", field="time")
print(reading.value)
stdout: 7:52
